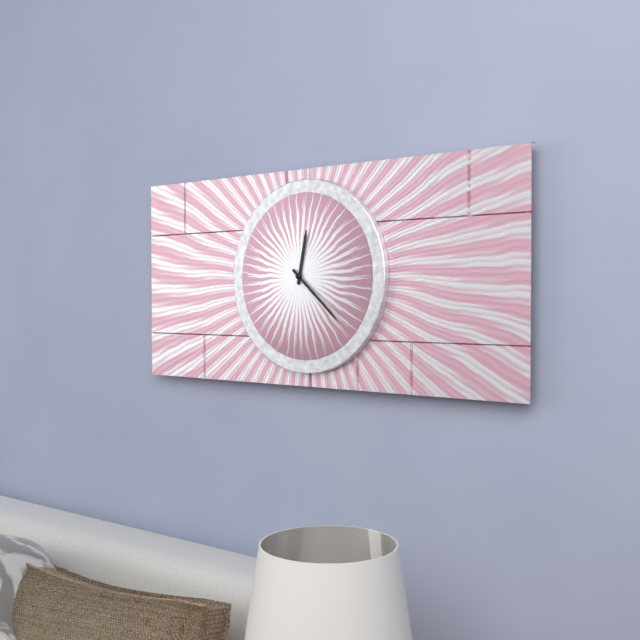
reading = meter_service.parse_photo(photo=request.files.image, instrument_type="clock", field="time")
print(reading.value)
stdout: 12:22
